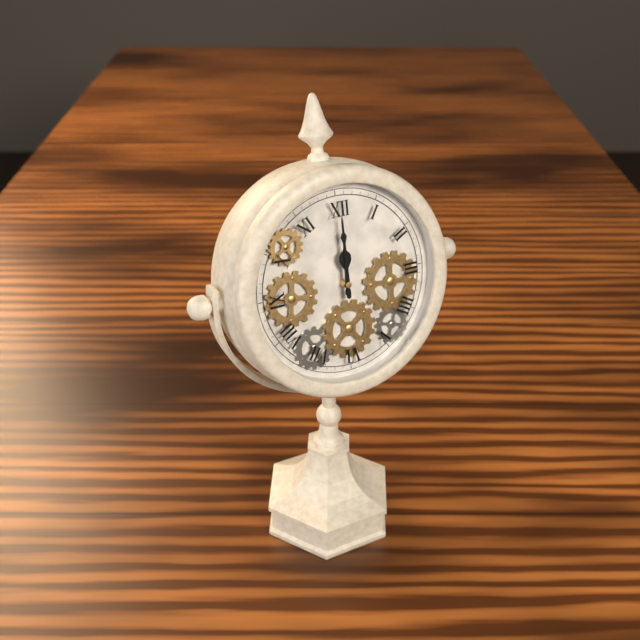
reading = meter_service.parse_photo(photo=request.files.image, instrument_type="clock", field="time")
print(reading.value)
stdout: 12:00
